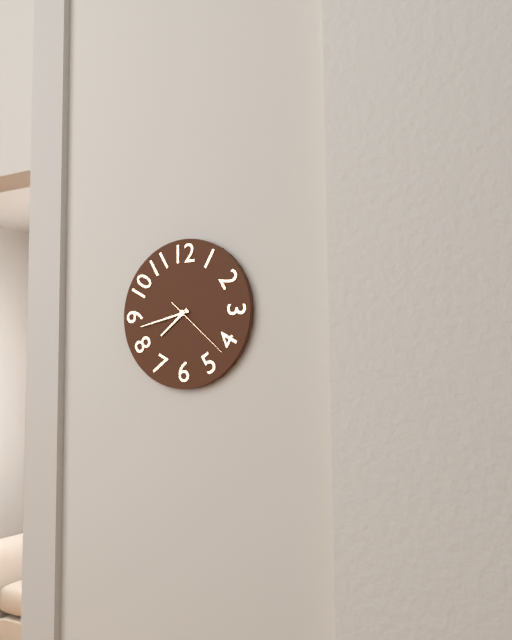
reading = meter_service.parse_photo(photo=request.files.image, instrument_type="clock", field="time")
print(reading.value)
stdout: 7:43:22
